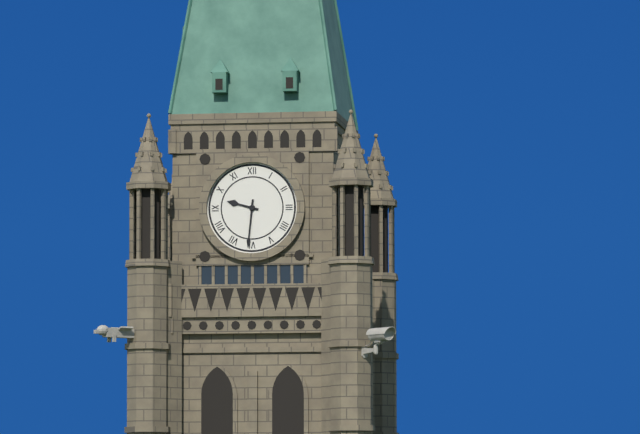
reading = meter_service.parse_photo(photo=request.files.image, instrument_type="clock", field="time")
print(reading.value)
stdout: 9:31
